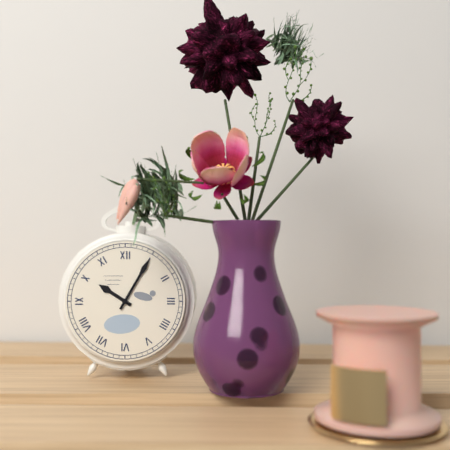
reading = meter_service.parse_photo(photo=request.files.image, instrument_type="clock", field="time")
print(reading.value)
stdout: 10:05
